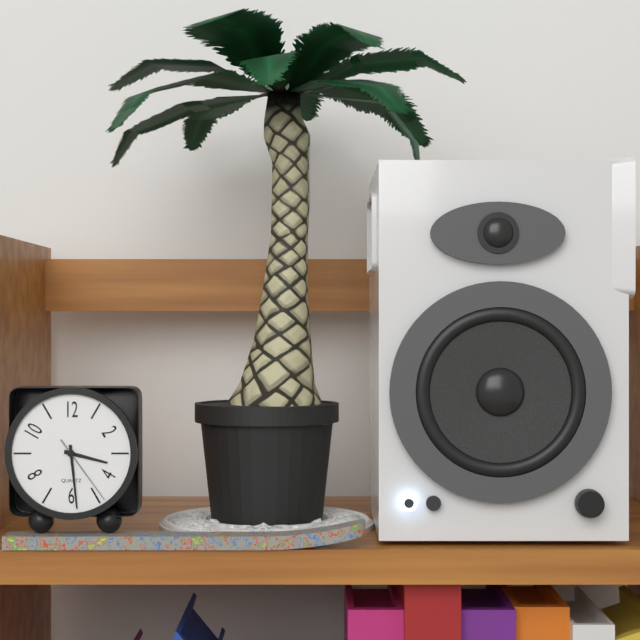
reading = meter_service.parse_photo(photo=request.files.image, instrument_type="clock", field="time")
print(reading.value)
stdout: 3:29:24
